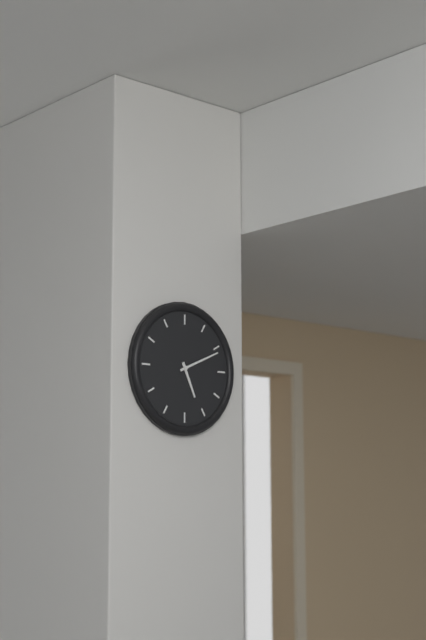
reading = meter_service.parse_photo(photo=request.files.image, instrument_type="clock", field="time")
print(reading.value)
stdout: 5:11
